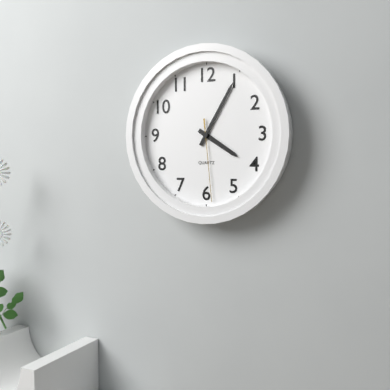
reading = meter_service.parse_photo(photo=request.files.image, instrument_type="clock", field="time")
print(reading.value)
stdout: 4:05:29
